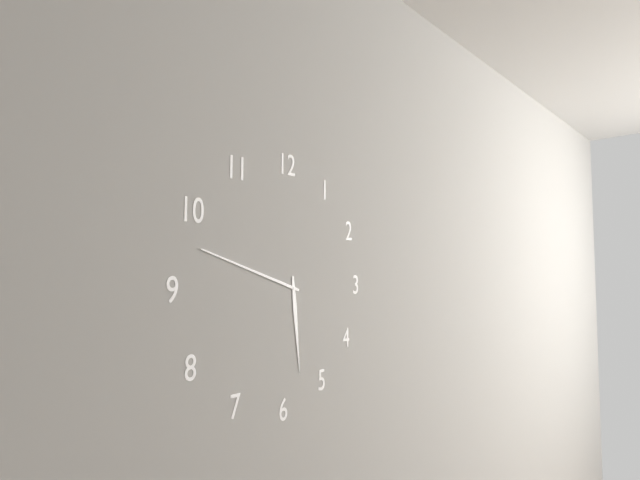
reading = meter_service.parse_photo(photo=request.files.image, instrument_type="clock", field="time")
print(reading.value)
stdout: 5:48
